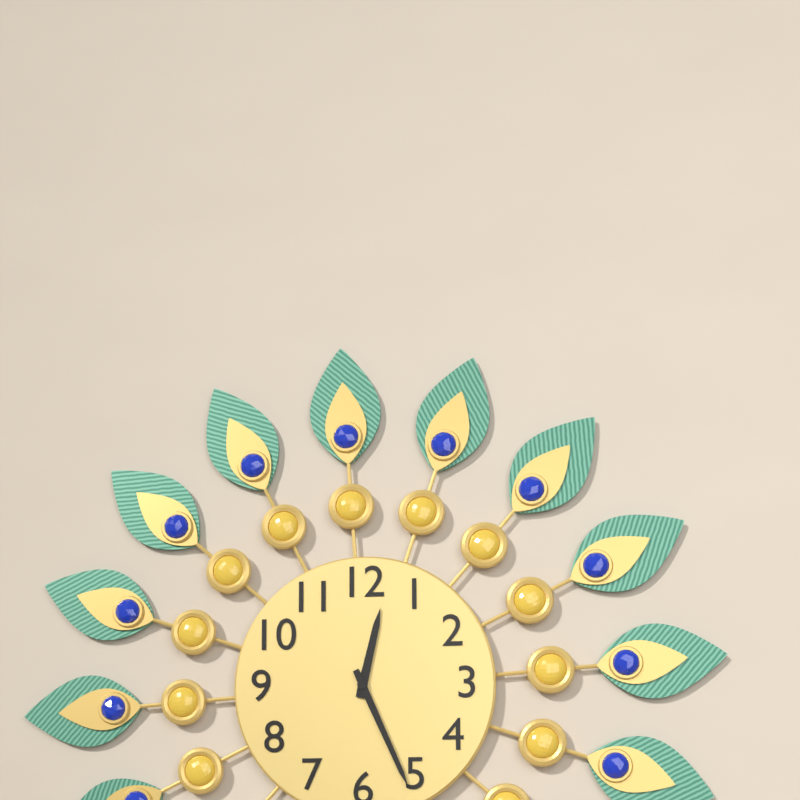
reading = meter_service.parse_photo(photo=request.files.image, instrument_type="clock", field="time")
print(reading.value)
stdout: 12:26
